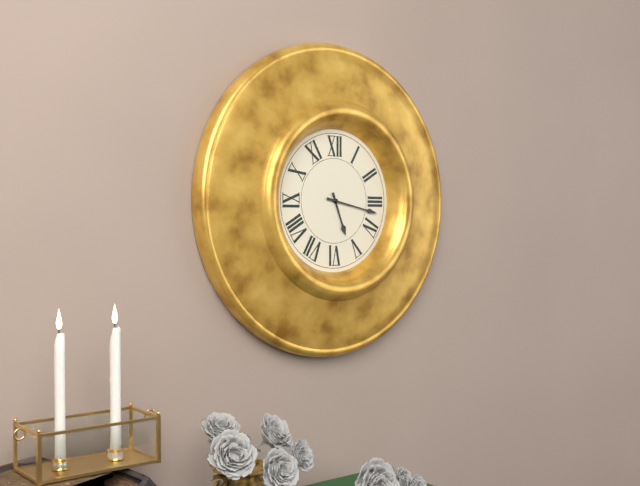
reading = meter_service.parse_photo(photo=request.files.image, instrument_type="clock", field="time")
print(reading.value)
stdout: 5:17
